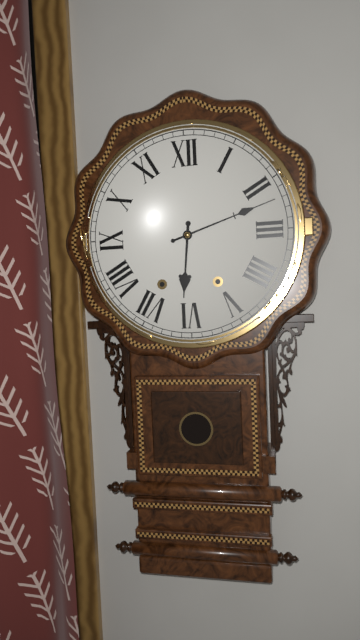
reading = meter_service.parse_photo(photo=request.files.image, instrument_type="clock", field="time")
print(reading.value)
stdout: 6:12
